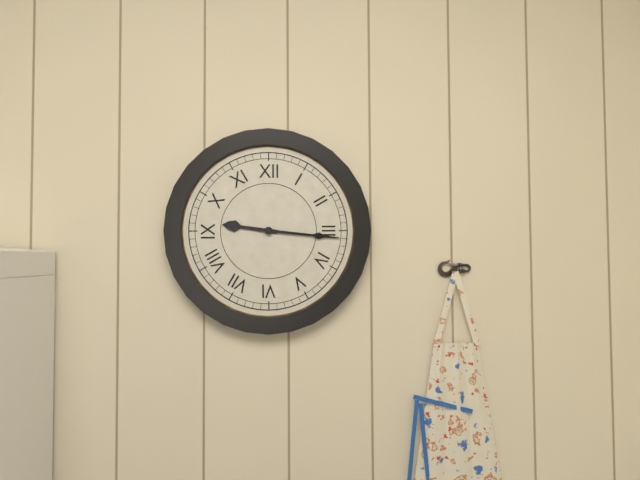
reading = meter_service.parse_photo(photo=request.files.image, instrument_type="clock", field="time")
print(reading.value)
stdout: 9:16
